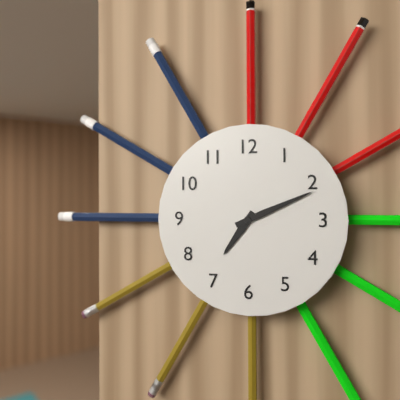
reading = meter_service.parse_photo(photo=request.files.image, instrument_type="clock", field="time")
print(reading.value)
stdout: 7:11
